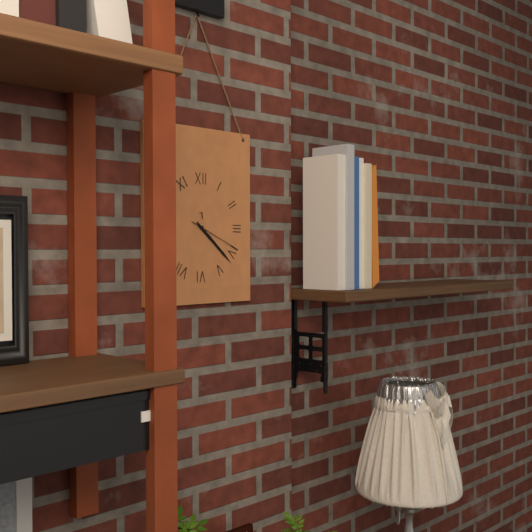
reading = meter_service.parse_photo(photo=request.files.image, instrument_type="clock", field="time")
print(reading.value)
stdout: 4:22:19
